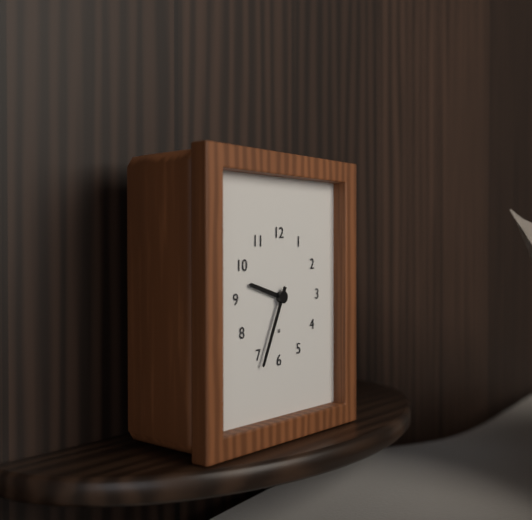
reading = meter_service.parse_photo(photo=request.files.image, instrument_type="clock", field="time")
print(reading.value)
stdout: 9:34
